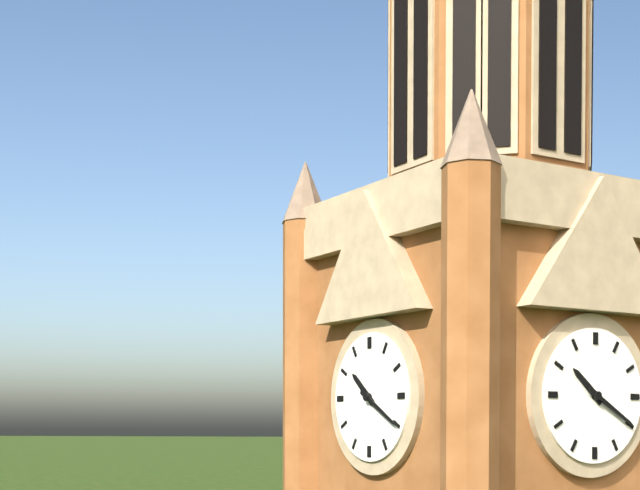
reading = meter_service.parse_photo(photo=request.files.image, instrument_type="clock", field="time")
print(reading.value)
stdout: 10:20
